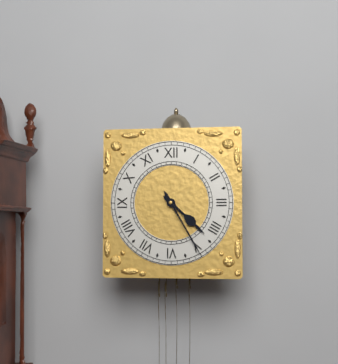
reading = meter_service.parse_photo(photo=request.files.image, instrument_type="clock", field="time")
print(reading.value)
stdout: 4:25
